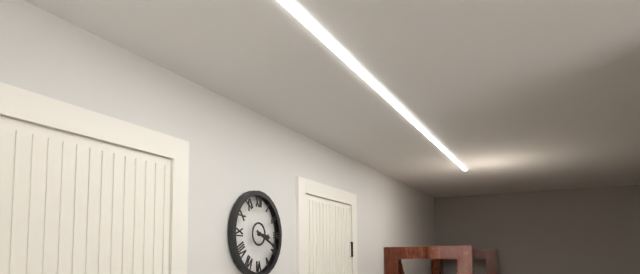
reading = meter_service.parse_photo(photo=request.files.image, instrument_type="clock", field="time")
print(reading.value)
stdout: 3:19
